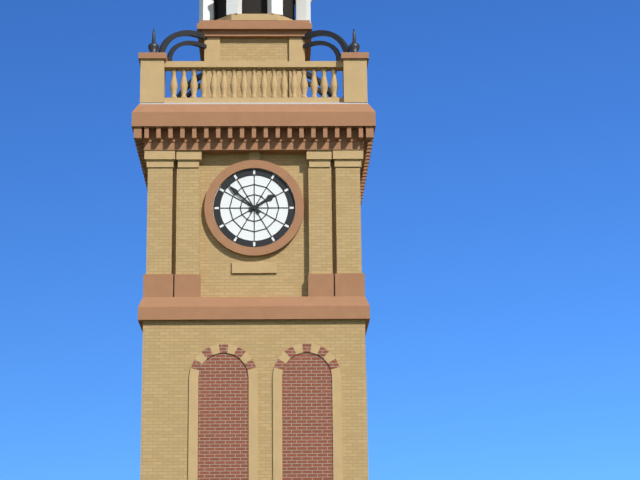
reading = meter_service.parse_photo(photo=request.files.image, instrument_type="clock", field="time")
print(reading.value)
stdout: 1:52
